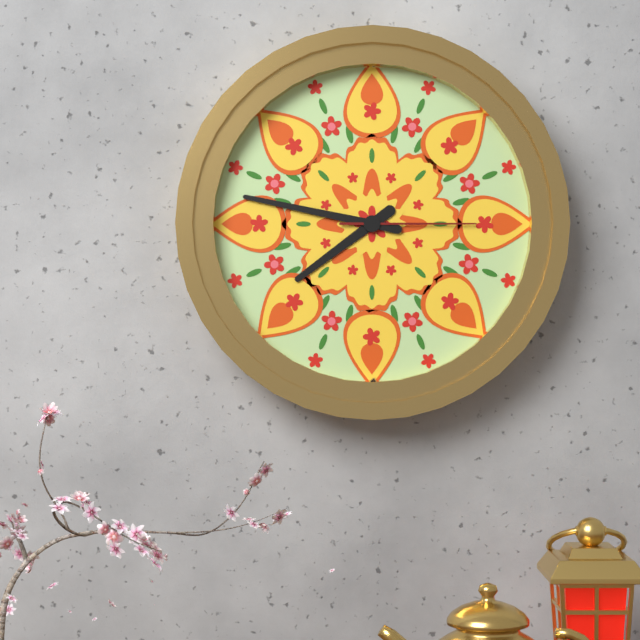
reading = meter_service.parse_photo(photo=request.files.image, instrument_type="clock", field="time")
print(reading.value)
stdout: 7:47:15
